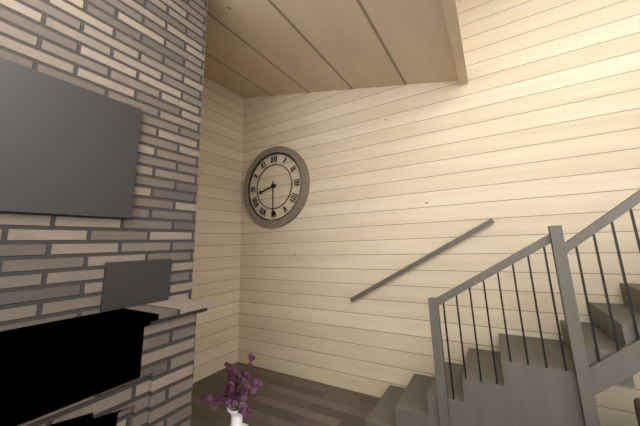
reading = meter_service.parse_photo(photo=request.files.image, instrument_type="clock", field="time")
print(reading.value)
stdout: 8:30
